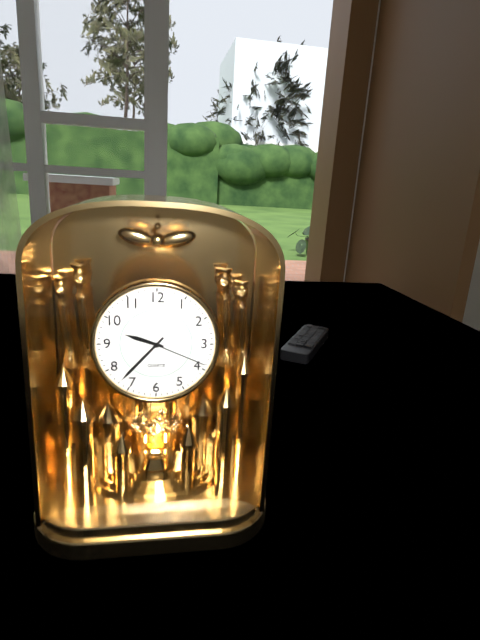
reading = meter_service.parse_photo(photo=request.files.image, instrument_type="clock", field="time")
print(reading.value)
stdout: 9:37:19
